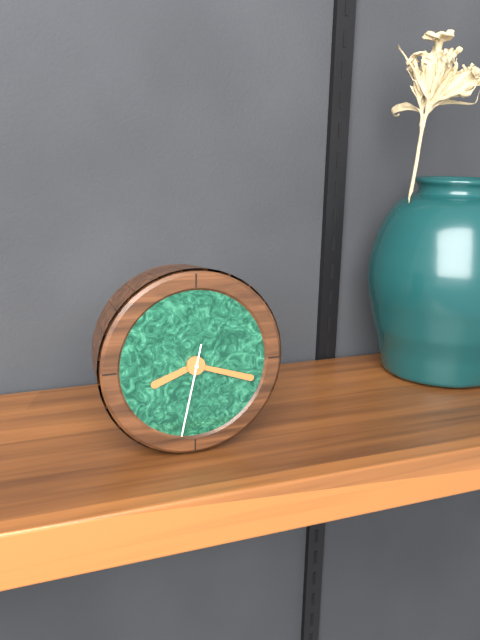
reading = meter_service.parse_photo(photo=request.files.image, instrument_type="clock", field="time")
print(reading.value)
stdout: 8:18:32
